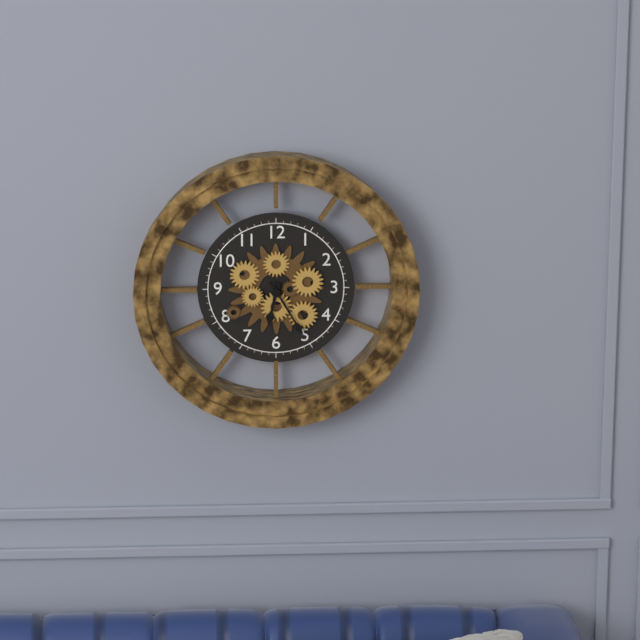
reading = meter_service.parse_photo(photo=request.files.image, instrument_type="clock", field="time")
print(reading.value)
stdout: 6:25
